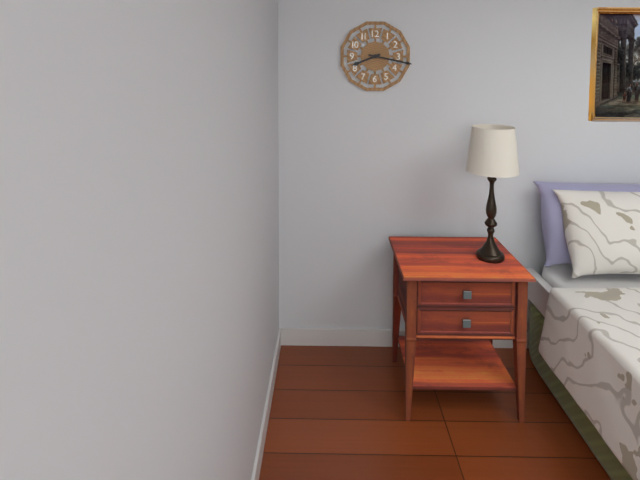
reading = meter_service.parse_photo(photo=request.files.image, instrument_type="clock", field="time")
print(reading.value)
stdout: 8:17
